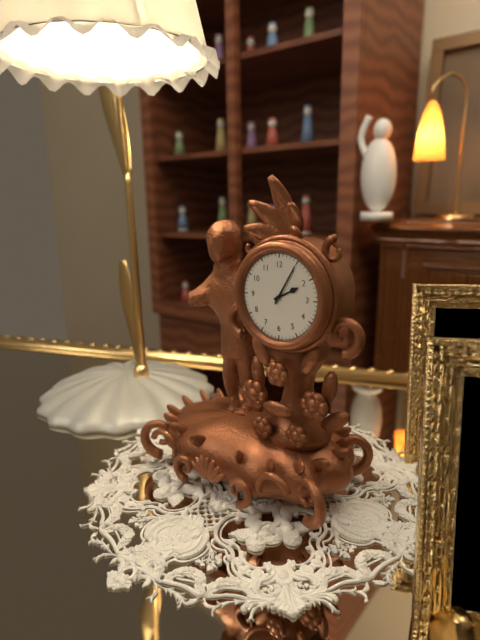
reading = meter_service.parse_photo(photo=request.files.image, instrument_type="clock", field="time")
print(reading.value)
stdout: 2:05
